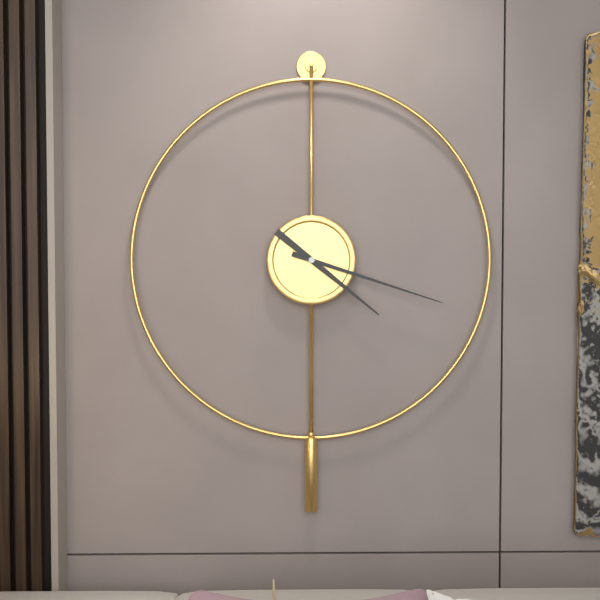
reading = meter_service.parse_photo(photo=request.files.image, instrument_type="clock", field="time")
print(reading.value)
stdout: 4:18
